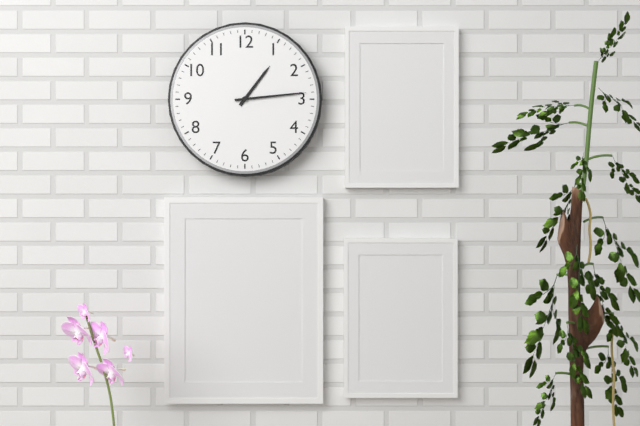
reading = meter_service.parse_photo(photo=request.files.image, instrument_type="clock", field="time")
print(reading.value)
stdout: 1:14
